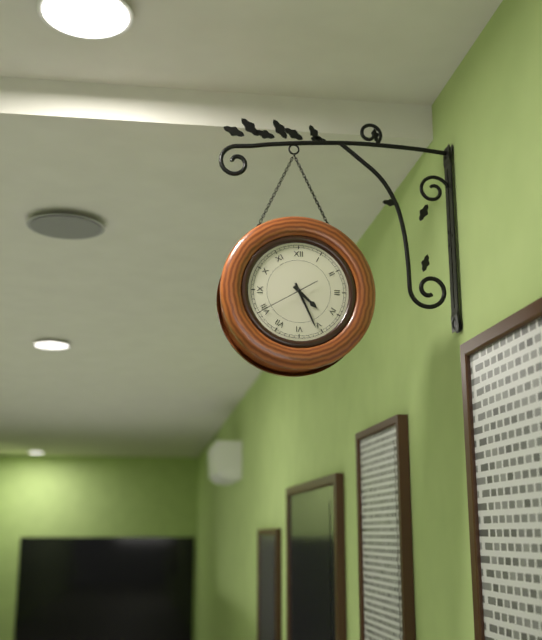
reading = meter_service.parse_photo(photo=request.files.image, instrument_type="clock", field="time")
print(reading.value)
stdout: 4:26
